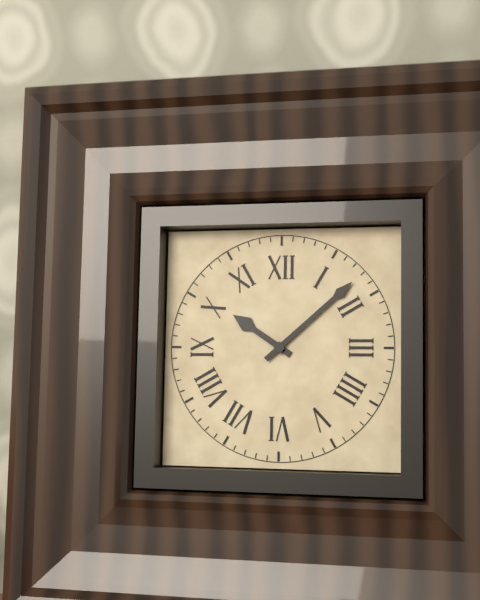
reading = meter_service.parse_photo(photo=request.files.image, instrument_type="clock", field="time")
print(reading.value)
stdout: 10:08
